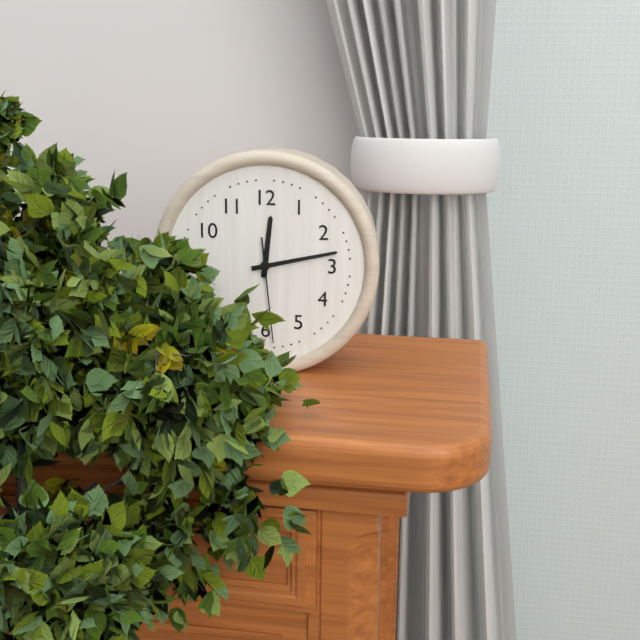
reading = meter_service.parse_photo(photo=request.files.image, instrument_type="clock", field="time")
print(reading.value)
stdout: 12:13:29
